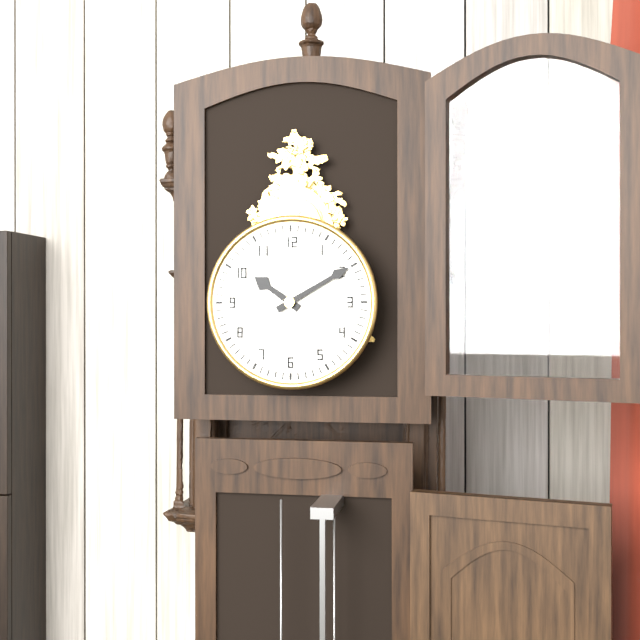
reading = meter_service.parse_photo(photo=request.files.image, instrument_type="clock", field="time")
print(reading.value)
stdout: 10:10
